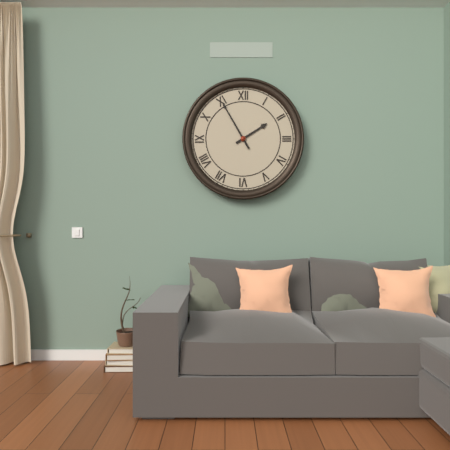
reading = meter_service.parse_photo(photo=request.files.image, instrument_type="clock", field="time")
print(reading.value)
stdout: 1:55
